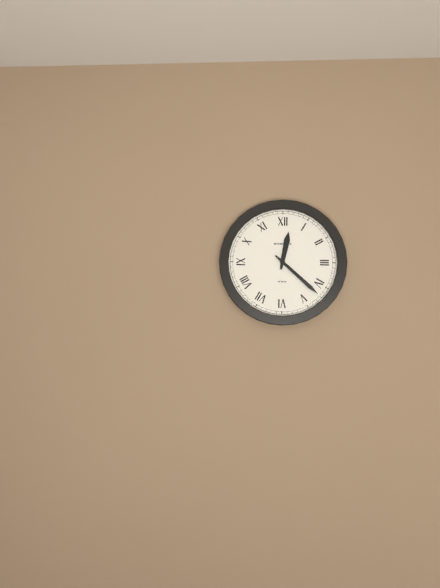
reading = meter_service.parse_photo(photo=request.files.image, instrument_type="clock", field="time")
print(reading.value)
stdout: 12:22
